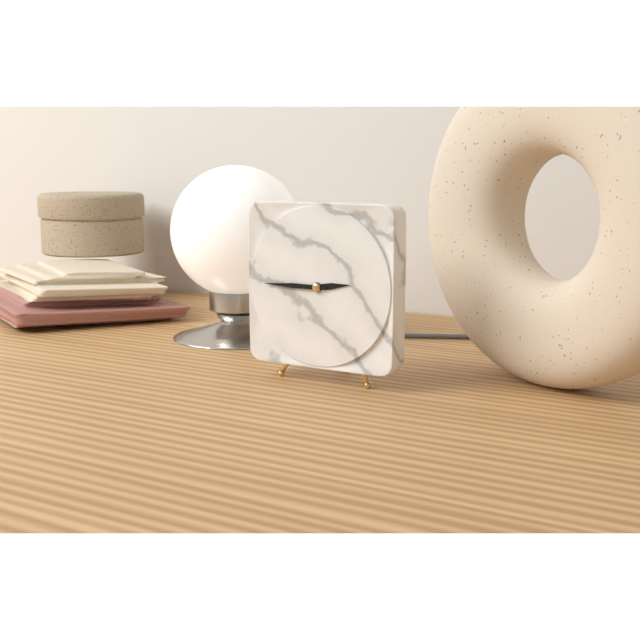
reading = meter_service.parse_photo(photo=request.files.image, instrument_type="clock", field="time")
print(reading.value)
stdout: 2:45
